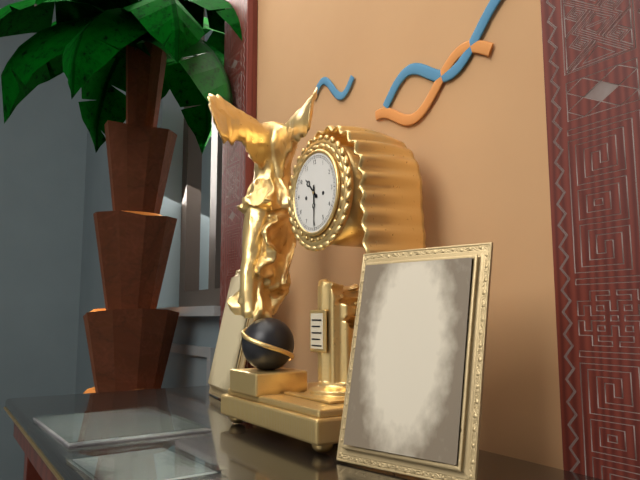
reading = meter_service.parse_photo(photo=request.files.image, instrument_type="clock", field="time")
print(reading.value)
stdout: 10:30
